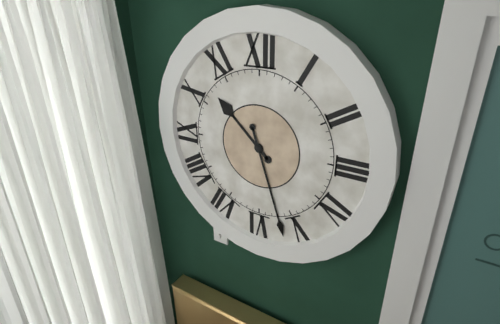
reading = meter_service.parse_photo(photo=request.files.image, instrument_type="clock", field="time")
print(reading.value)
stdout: 10:27
